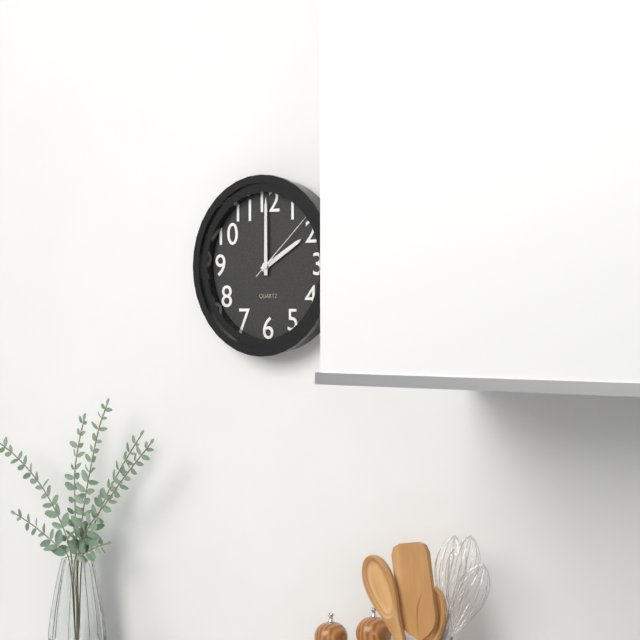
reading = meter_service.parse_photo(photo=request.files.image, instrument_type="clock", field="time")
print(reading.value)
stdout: 2:00:08
